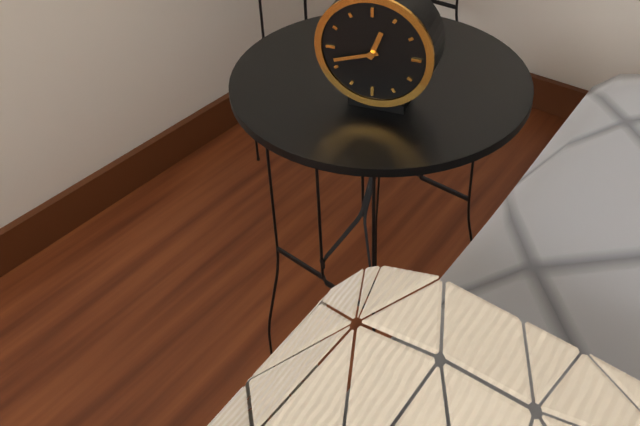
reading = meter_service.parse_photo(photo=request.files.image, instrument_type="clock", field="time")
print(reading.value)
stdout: 12:42
